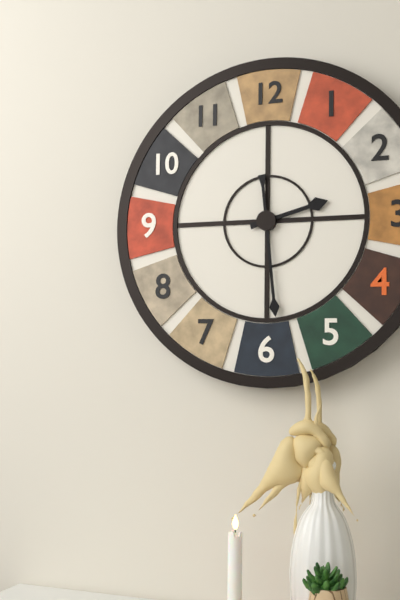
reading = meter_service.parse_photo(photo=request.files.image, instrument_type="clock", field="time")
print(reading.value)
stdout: 2:29
